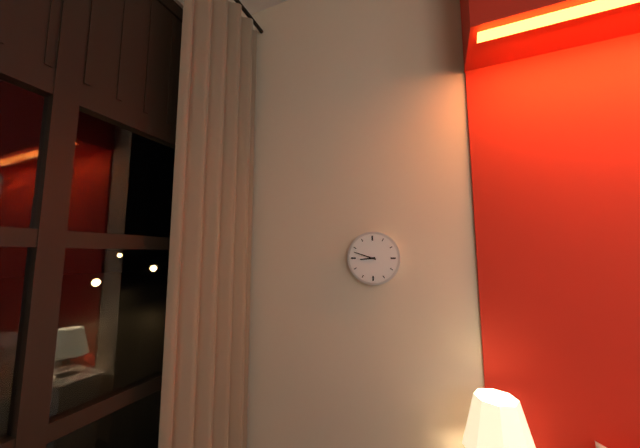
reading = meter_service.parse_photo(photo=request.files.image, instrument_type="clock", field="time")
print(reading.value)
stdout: 8:48
